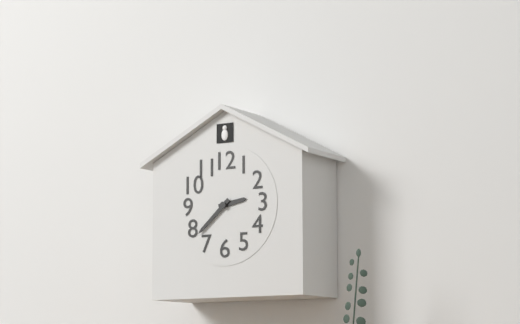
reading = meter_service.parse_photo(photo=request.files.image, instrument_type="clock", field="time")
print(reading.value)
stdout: 2:38
